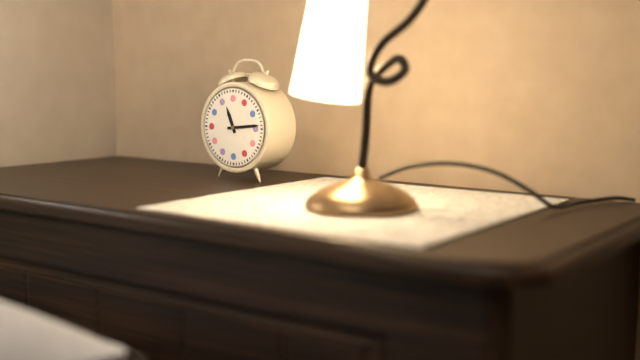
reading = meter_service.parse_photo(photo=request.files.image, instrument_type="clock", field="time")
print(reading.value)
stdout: 11:14
